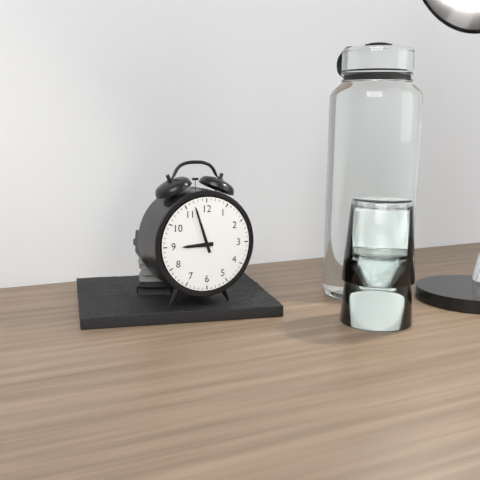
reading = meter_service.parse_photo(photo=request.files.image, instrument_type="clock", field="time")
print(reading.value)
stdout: 8:57
